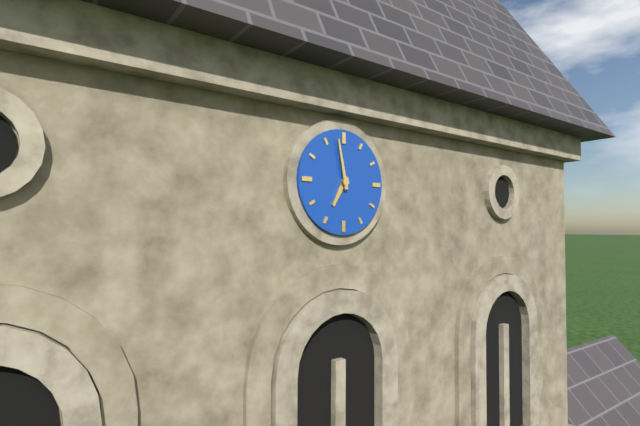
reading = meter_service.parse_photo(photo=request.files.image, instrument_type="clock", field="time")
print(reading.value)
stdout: 6:58
